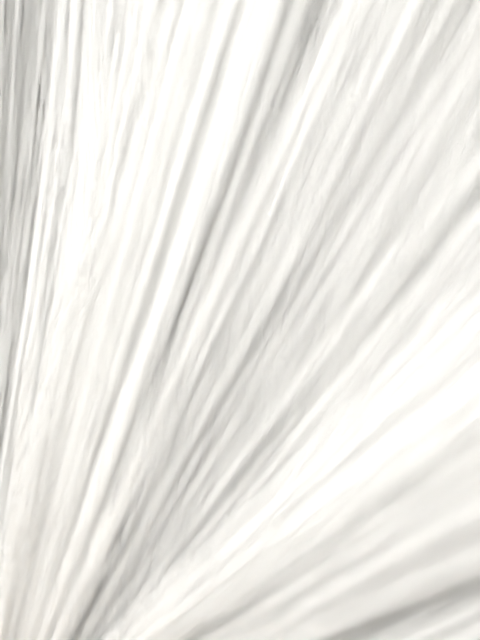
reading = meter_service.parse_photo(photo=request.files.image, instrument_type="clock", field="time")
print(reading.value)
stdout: 11:06
